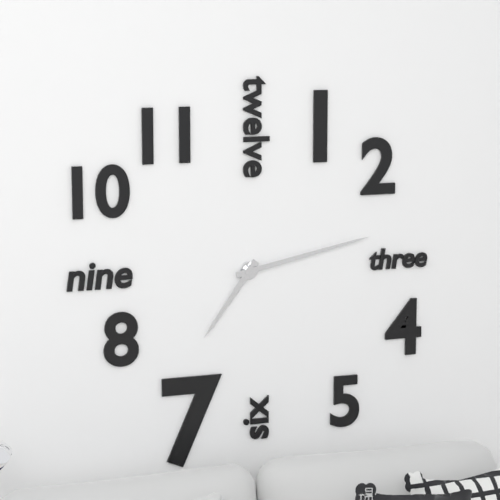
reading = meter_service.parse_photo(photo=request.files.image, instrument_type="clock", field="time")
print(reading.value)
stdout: 7:13
